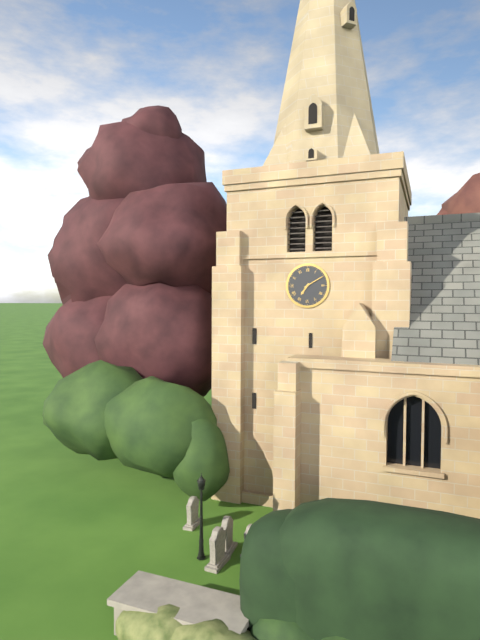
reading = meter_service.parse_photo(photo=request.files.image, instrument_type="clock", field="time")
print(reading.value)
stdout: 7:10
